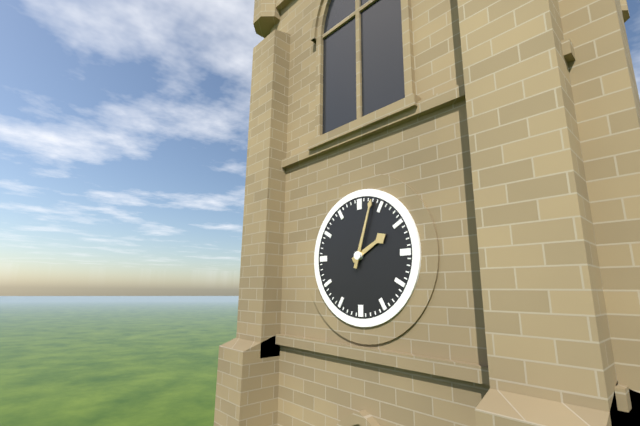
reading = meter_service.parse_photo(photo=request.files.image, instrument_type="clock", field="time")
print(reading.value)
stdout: 2:03
